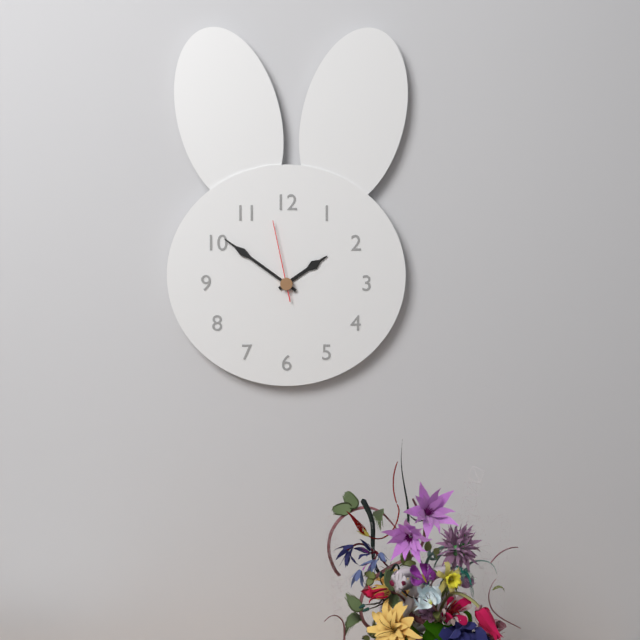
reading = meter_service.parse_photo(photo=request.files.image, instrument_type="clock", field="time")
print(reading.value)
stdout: 1:51:58
